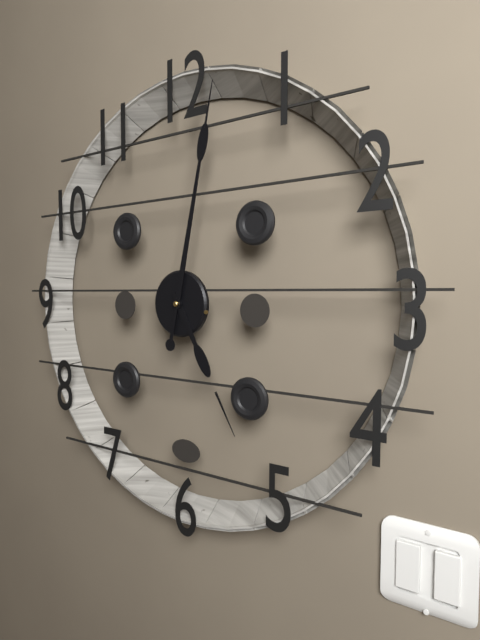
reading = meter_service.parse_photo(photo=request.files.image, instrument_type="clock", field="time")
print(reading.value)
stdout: 5:02
